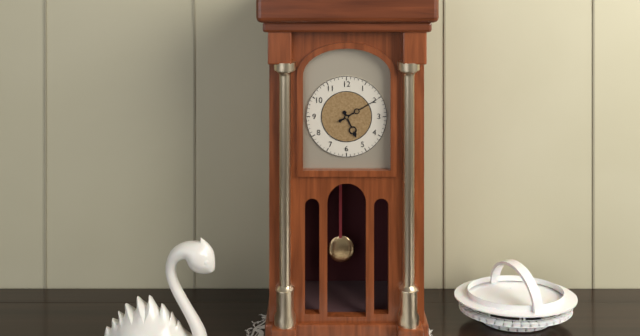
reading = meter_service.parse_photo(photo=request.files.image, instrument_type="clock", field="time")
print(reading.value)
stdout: 5:10
